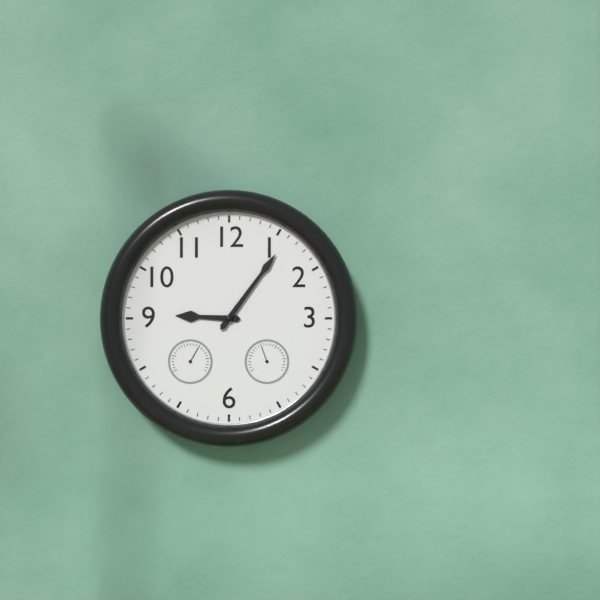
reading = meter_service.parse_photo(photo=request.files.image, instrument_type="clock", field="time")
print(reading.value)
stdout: 9:06
